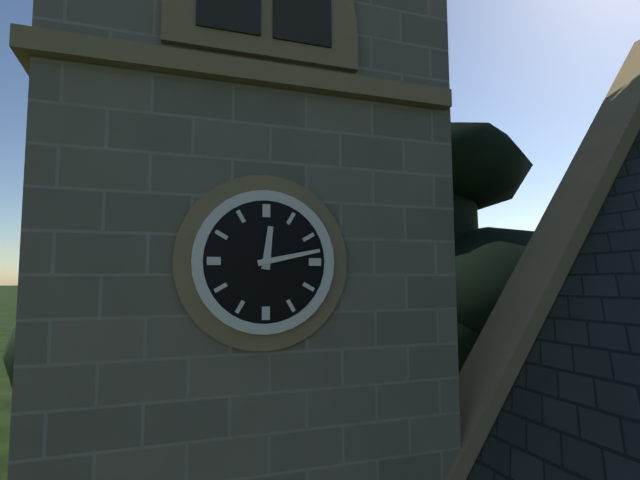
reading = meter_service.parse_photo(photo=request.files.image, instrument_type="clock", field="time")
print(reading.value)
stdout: 12:13
